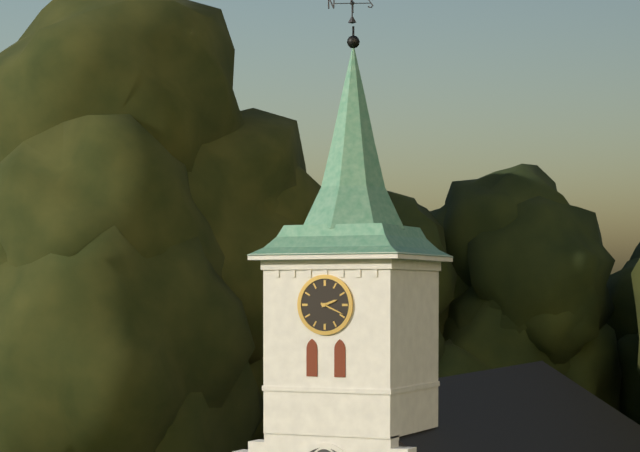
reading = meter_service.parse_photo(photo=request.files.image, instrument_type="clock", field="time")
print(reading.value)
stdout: 2:19
